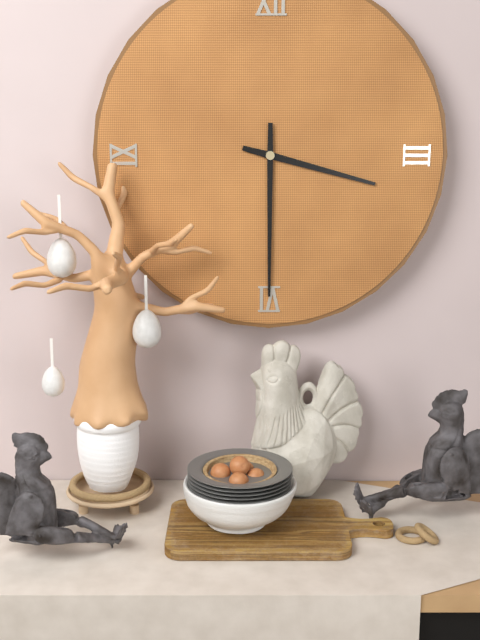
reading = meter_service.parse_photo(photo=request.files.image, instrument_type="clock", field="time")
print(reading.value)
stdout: 3:30
